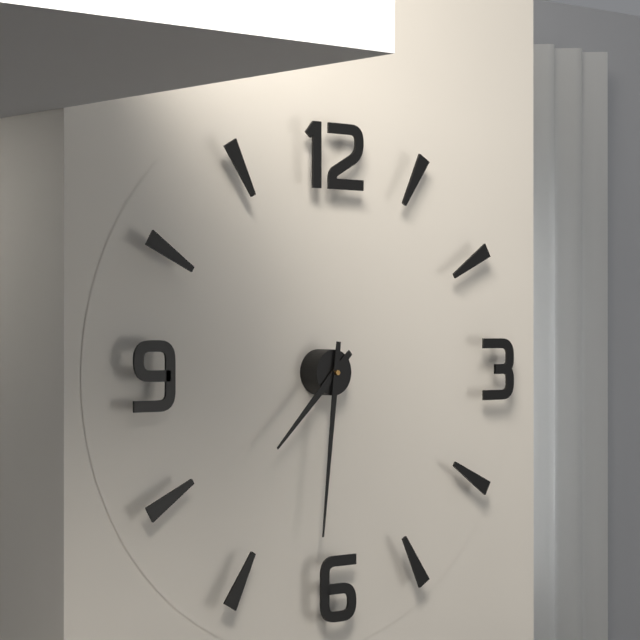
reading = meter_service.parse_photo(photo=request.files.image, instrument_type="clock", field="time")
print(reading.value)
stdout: 7:31
